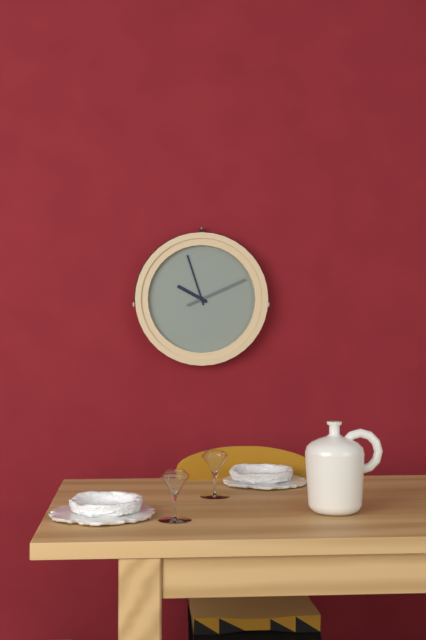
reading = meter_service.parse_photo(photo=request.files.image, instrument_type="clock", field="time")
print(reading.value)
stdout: 9:57:11
